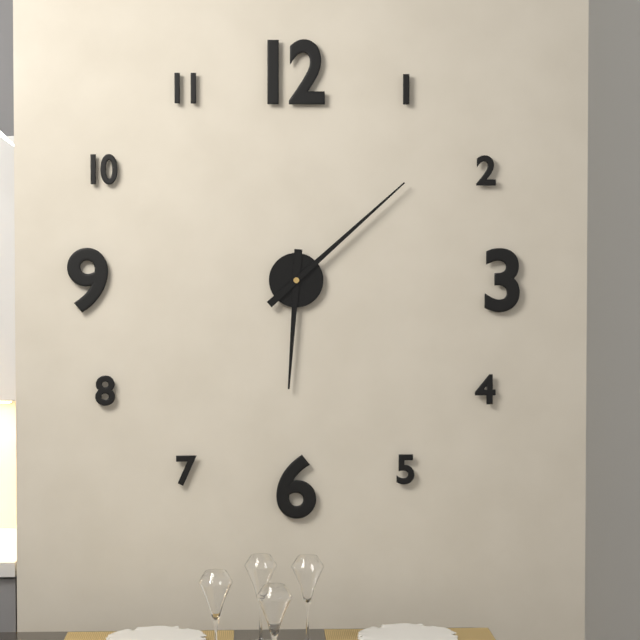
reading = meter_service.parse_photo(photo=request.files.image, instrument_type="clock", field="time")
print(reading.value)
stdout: 6:08
